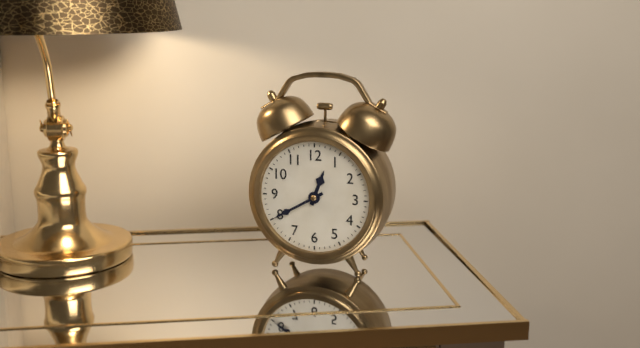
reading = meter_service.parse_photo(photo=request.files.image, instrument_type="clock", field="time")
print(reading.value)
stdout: 12:40
